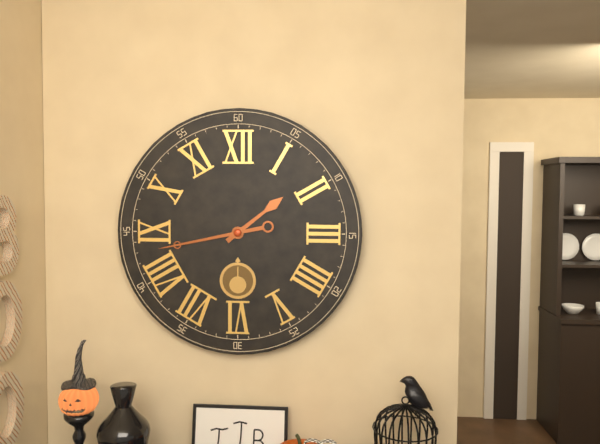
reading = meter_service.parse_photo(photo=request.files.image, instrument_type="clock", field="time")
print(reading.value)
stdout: 1:43
